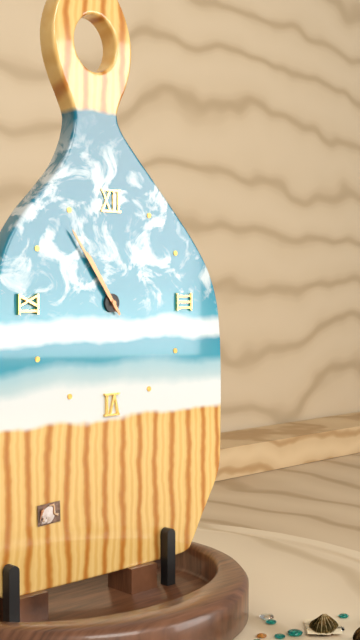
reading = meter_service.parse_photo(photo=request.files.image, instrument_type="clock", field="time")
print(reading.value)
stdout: 10:54
